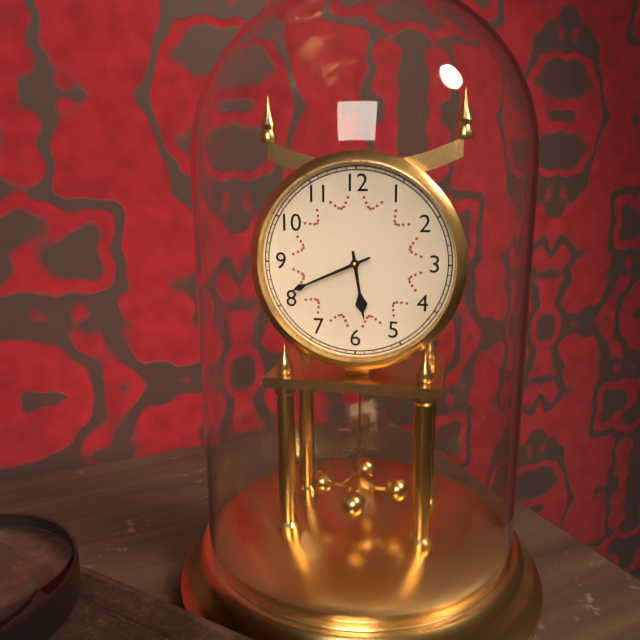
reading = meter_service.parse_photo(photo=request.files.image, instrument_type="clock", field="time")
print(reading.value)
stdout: 5:41
